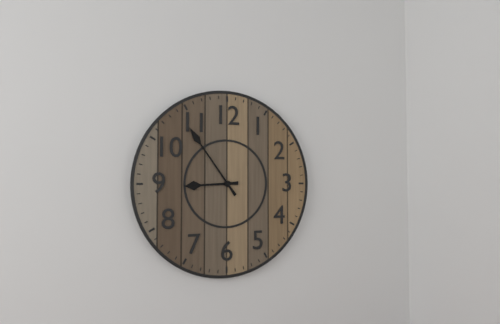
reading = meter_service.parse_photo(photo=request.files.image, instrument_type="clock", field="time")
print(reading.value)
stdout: 8:54
